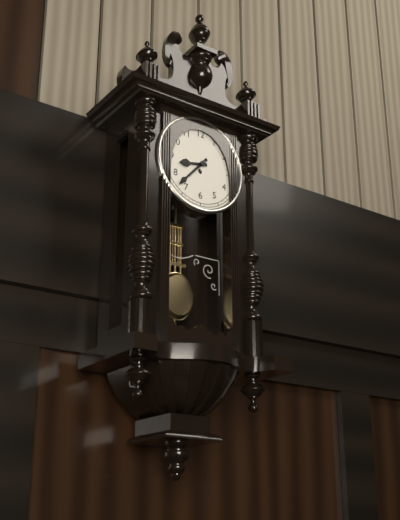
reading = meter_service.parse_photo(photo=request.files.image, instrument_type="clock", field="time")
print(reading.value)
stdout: 8:37
